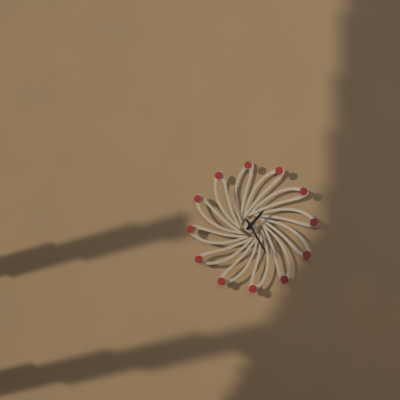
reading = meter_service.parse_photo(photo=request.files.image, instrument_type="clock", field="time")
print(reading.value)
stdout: 1:25
